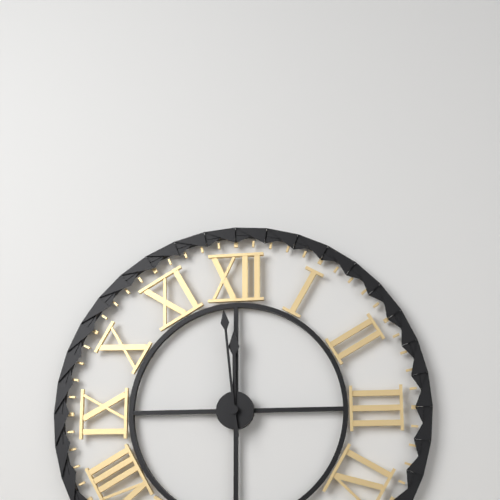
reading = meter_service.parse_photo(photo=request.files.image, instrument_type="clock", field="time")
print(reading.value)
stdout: 11:59
